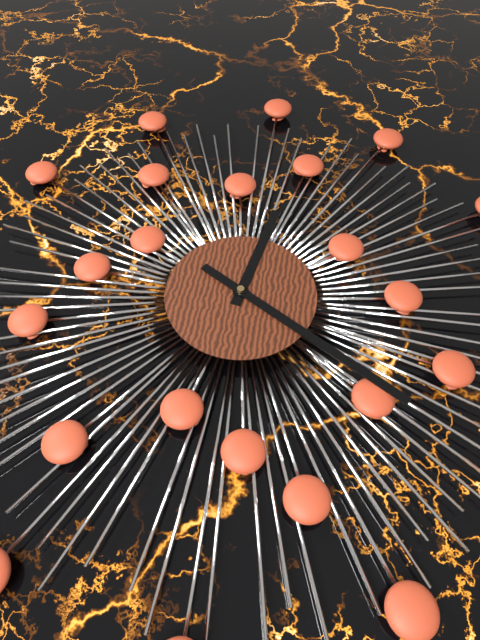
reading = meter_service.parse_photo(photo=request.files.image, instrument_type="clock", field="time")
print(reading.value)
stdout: 12:20
